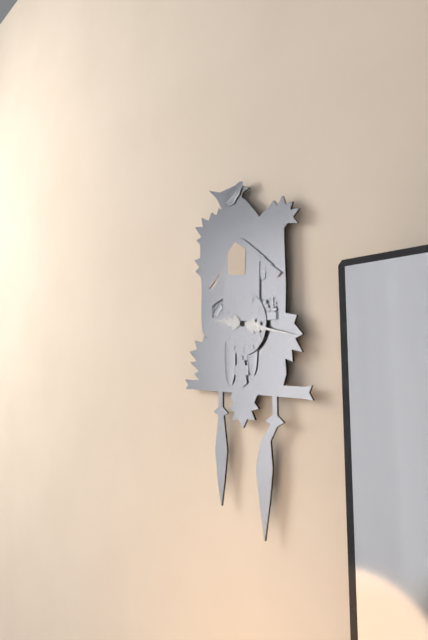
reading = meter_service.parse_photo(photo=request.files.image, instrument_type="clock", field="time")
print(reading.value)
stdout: 9:17
